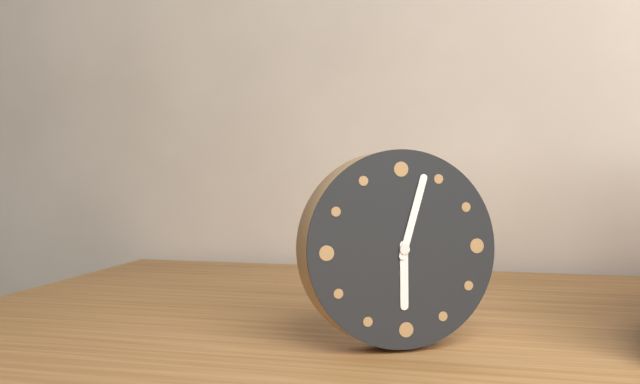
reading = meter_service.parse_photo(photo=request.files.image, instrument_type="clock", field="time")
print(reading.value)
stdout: 6:03
